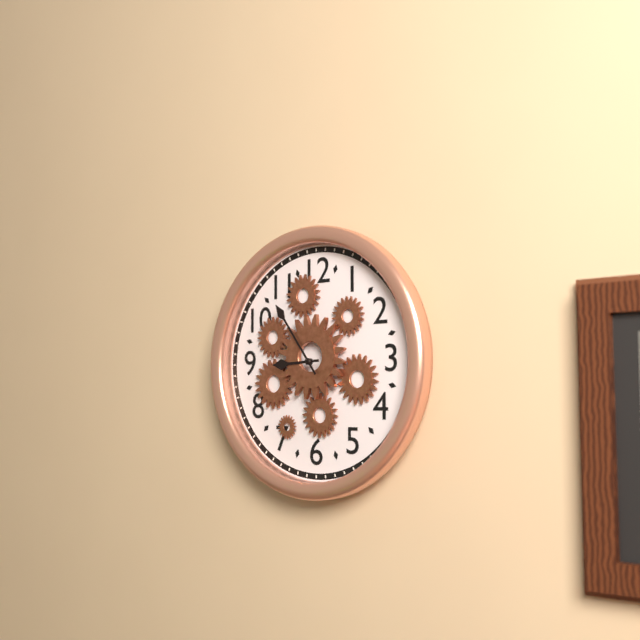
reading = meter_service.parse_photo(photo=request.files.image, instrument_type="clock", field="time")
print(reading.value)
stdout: 8:54
